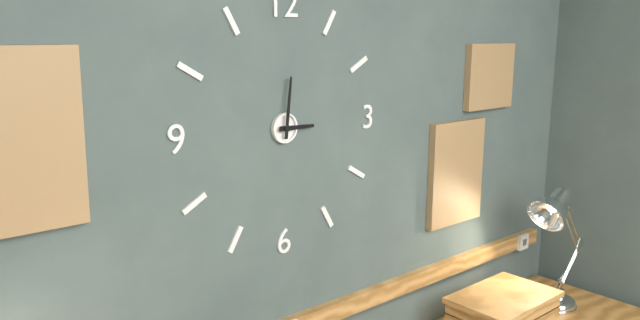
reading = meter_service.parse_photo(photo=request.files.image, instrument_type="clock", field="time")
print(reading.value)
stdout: 3:01
